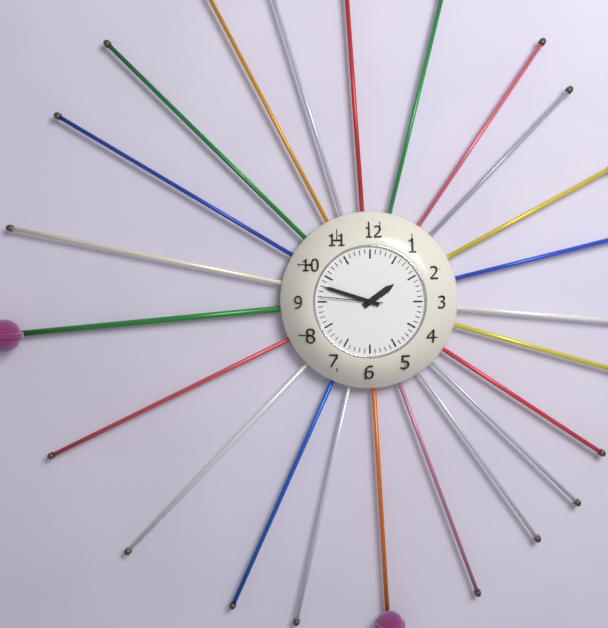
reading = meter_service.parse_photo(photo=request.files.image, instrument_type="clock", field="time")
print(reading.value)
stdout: 1:48:46
